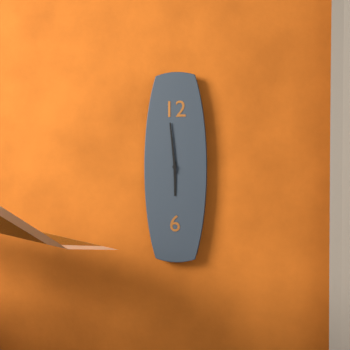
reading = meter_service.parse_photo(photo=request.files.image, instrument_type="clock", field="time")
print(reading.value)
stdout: 5:59
